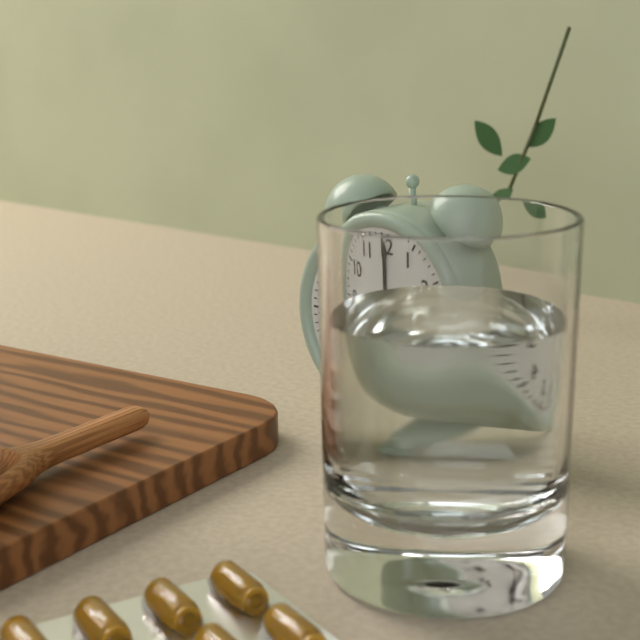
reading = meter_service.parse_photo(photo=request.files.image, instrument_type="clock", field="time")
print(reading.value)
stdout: 9:00:28
